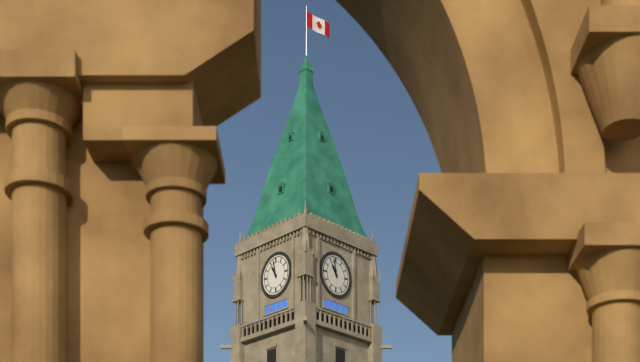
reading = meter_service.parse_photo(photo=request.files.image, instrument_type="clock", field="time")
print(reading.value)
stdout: 10:58
